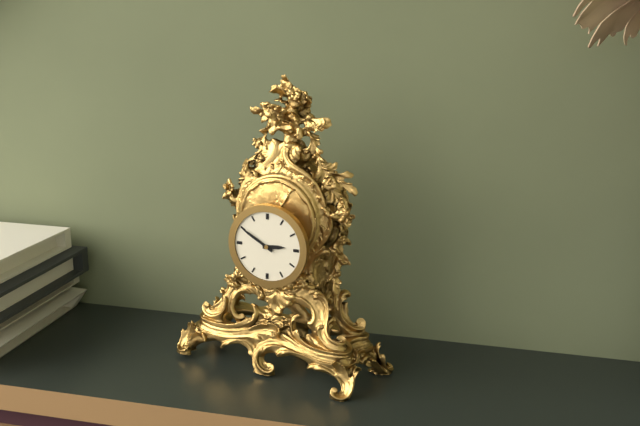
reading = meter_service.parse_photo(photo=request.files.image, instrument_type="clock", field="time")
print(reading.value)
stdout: 2:50
